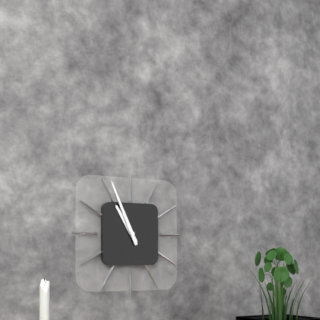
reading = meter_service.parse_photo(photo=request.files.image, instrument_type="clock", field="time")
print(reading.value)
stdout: 10:56
